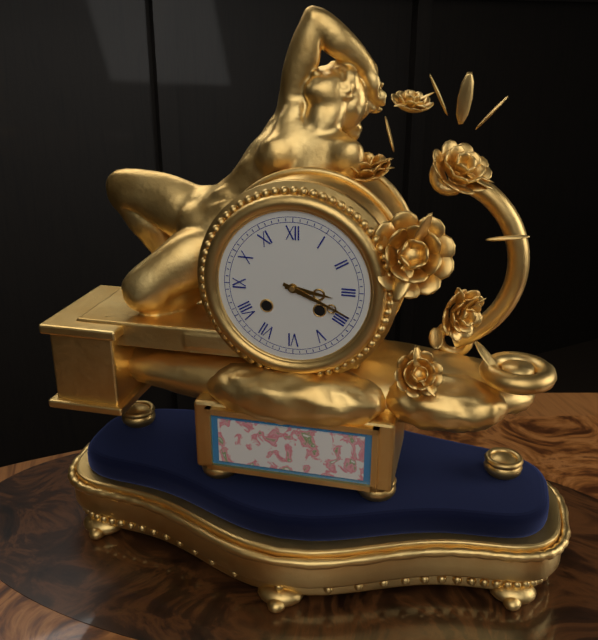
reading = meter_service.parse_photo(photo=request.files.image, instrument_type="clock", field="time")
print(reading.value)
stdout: 3:19
